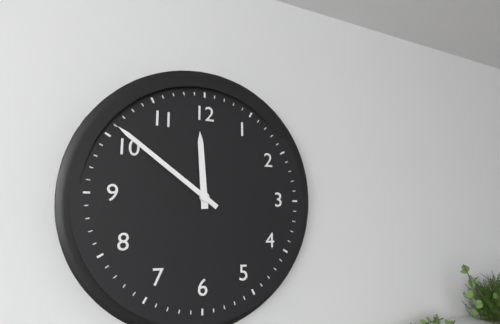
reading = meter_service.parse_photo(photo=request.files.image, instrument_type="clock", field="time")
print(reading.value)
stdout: 11:51
